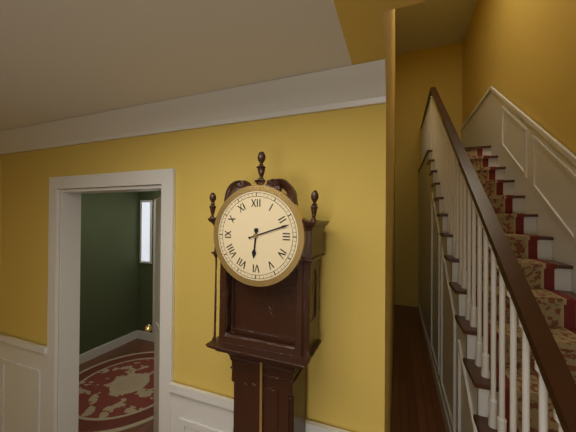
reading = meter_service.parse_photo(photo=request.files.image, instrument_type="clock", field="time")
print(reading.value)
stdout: 6:12
